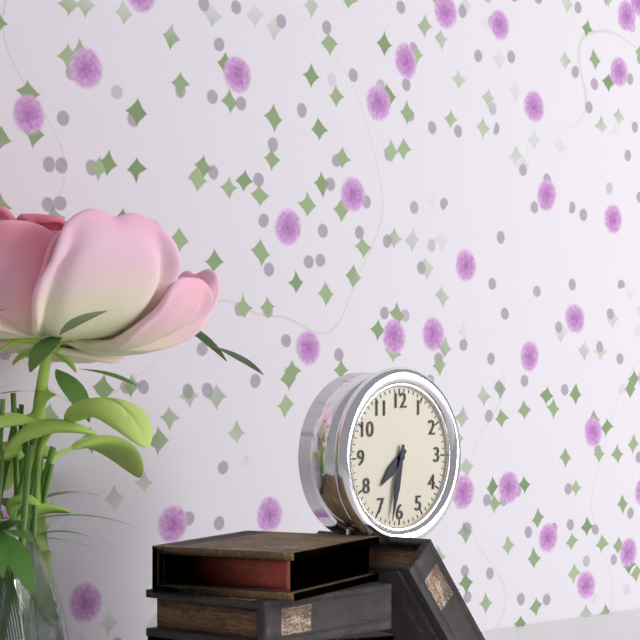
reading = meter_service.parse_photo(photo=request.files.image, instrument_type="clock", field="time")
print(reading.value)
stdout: 7:32
